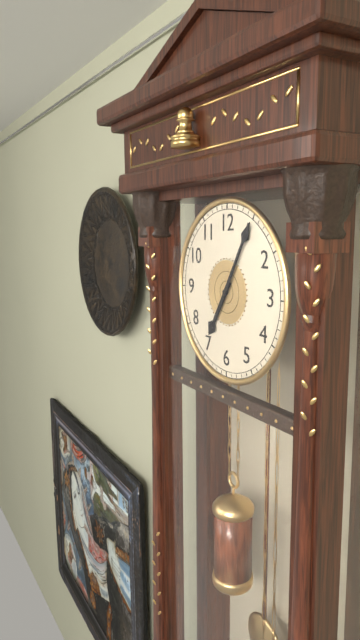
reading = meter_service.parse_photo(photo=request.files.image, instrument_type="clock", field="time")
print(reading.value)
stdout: 7:05
